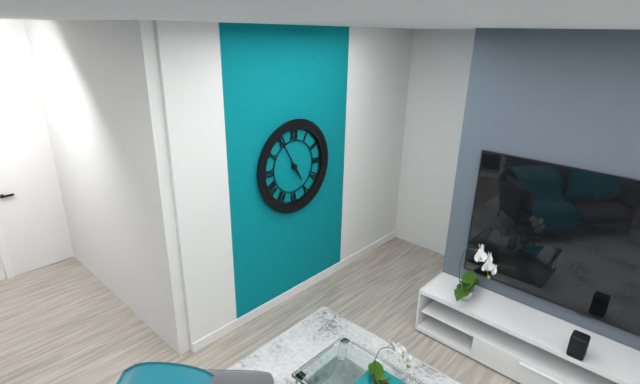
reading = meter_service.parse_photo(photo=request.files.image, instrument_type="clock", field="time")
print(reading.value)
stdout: 4:55
